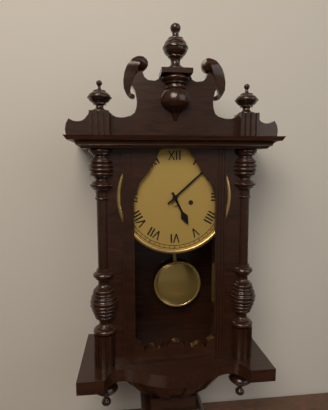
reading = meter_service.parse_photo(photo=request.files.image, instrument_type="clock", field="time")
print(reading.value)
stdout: 5:08
